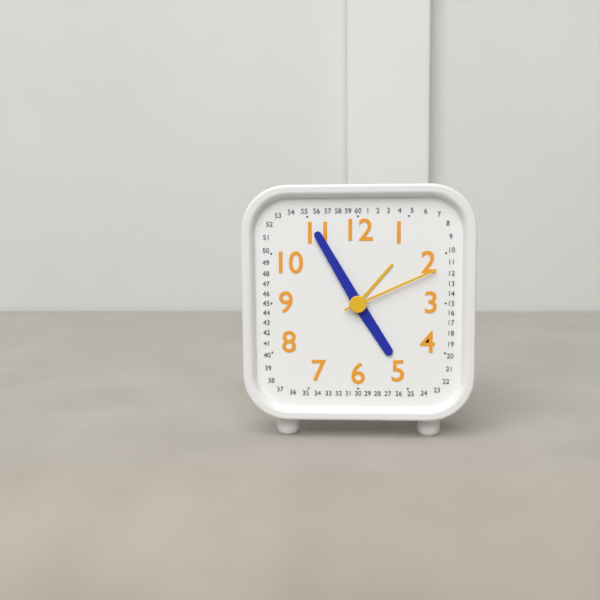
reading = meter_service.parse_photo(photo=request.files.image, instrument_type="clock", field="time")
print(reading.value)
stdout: 4:55:11
